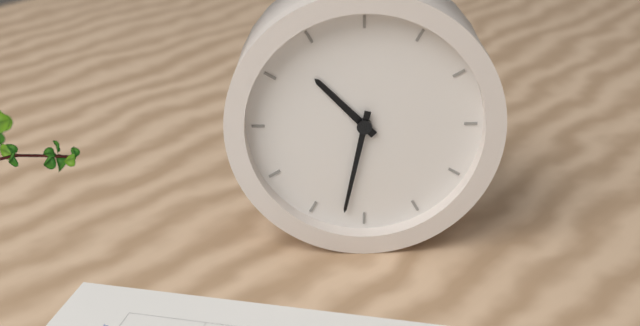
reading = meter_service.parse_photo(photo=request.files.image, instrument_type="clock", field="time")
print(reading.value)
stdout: 10:32
